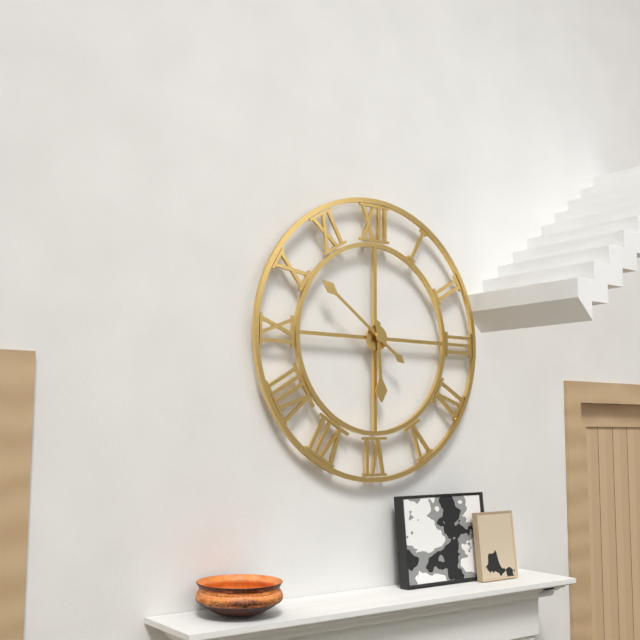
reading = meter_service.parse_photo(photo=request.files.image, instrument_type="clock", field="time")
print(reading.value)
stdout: 5:51
